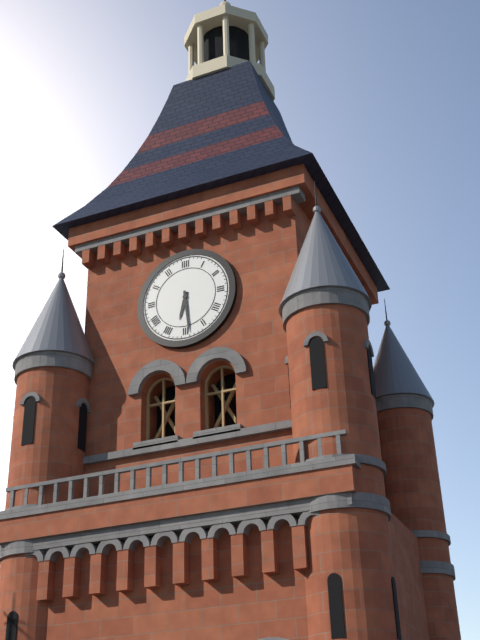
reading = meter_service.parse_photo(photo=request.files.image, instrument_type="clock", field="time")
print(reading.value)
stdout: 6:29
